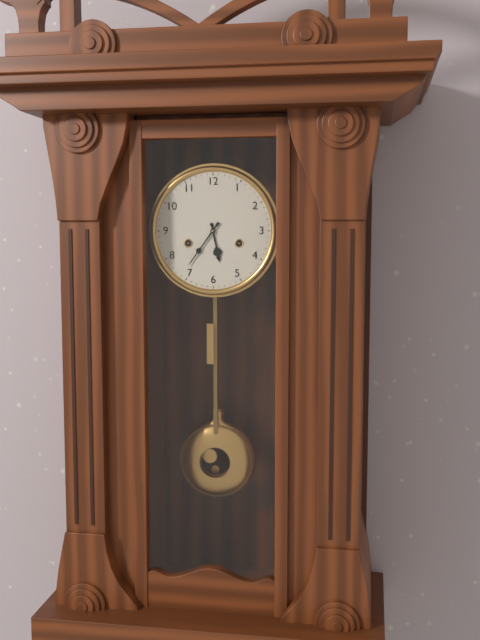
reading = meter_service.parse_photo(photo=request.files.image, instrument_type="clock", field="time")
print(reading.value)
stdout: 5:36
